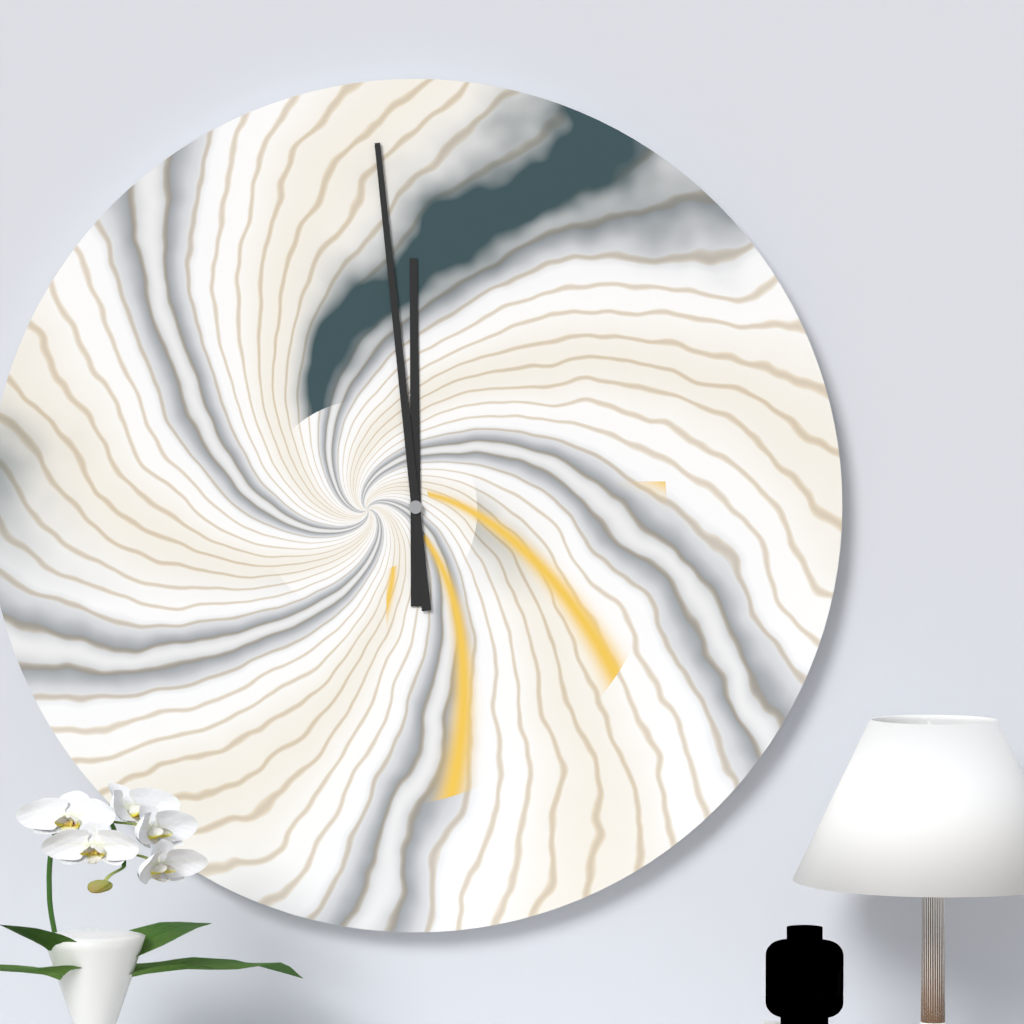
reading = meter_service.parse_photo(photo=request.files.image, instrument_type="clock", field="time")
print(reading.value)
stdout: 11:59
